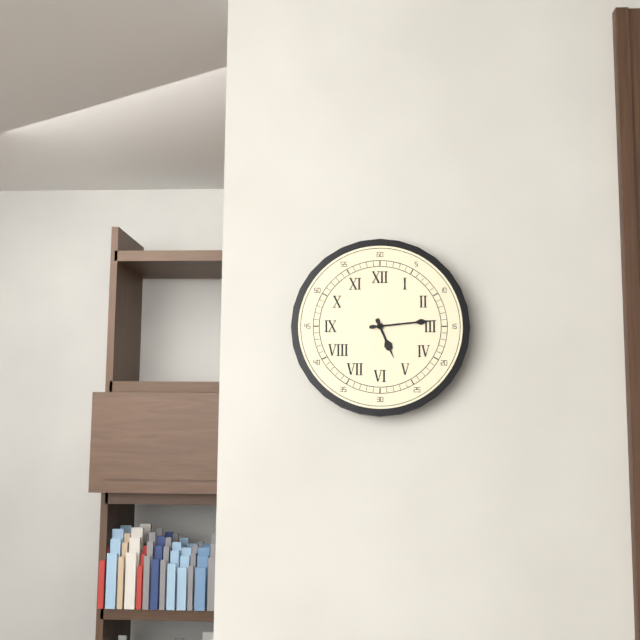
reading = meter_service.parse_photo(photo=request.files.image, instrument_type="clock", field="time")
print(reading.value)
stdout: 5:14
